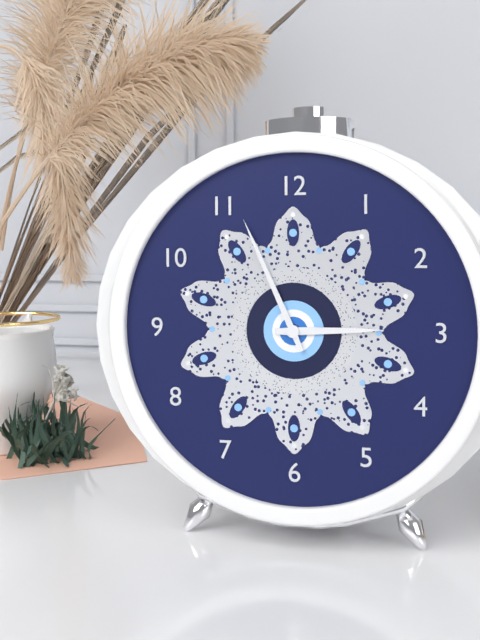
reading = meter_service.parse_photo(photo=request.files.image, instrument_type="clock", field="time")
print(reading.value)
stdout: 2:56
